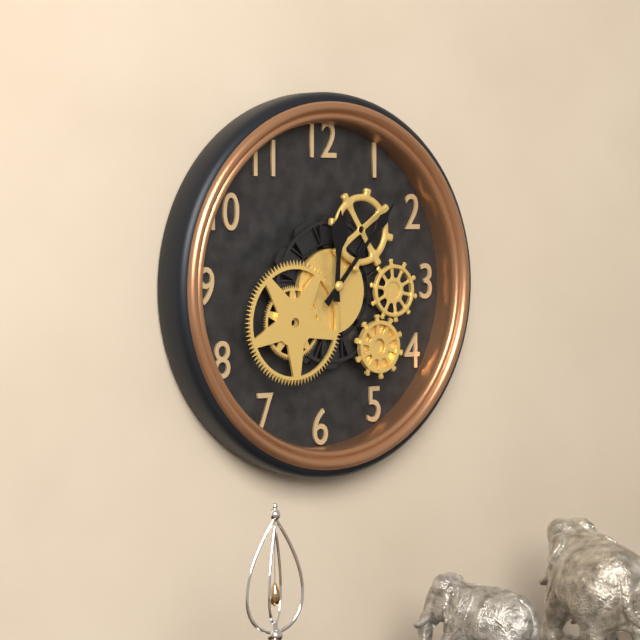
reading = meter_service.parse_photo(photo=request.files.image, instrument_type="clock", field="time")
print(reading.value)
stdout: 12:07
